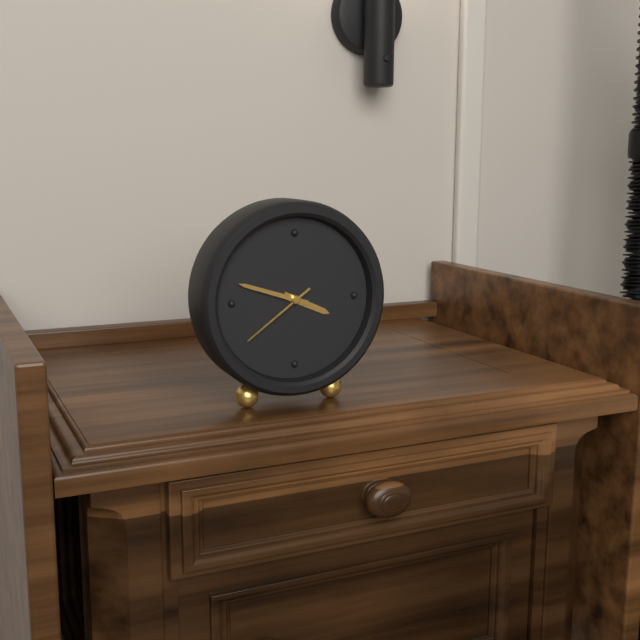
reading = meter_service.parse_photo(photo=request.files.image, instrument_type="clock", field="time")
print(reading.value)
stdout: 3:48:39
